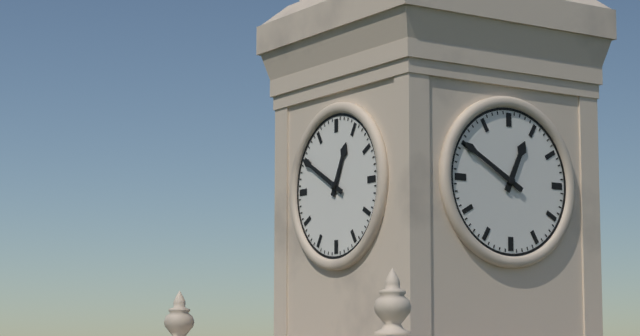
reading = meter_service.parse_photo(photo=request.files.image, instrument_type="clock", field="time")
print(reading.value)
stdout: 12:50
